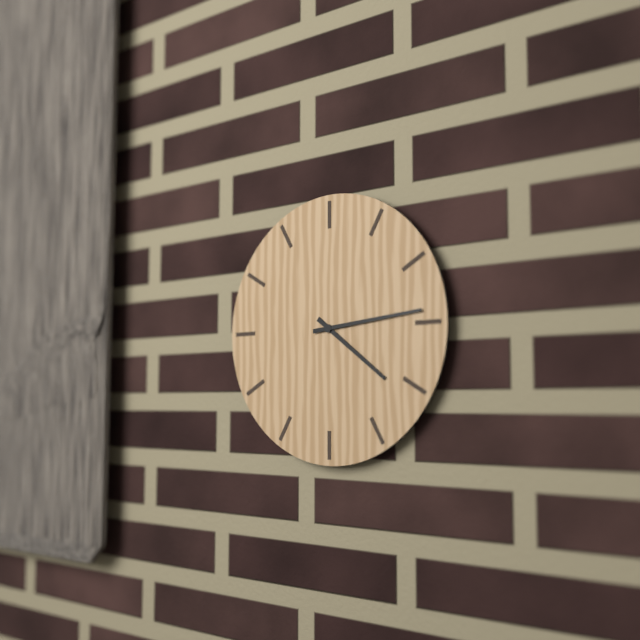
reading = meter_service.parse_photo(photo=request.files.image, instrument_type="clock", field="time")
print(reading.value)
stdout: 4:14
